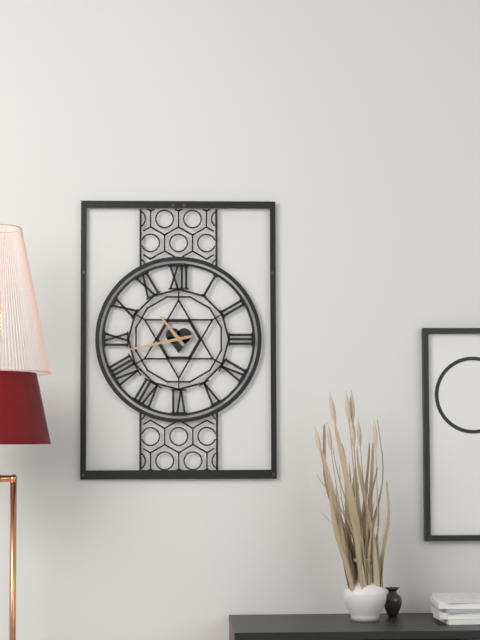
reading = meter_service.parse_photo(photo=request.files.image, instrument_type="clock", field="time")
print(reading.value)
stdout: 10:43
